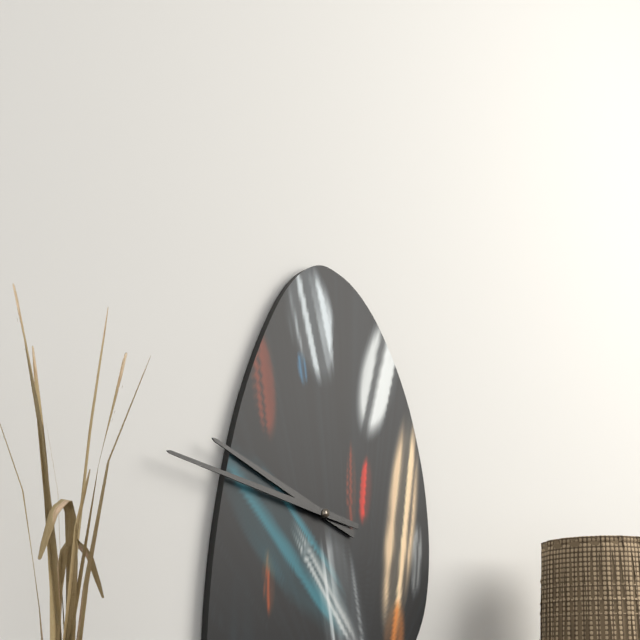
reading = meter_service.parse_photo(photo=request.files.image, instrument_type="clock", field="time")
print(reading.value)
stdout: 9:47
